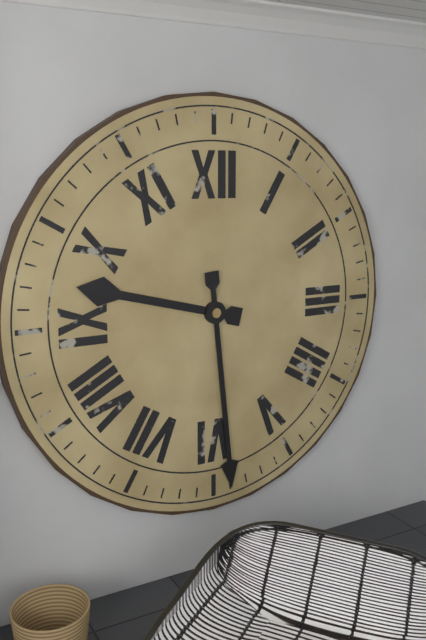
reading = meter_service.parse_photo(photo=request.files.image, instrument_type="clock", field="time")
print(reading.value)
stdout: 9:29
